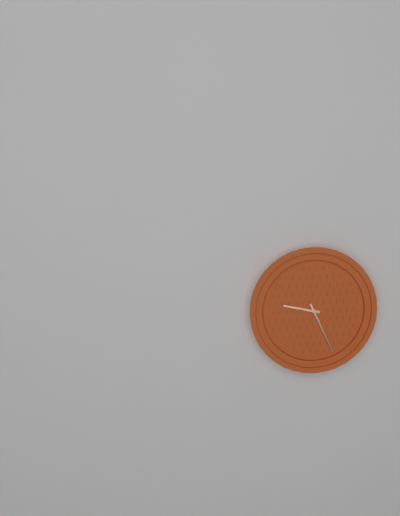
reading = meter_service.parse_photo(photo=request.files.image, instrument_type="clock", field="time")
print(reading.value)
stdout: 9:26
